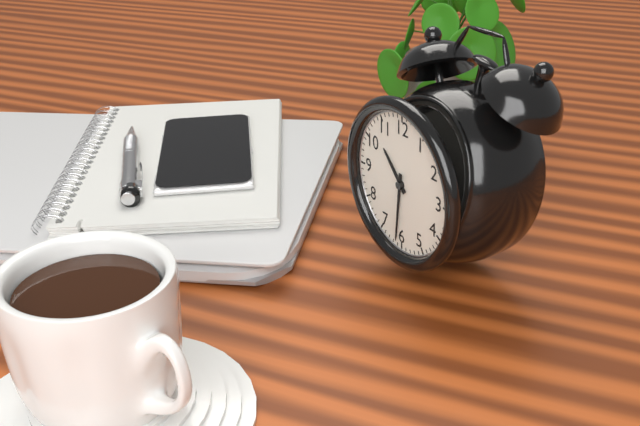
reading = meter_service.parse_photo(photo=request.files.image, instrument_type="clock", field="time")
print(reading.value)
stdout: 10:31
